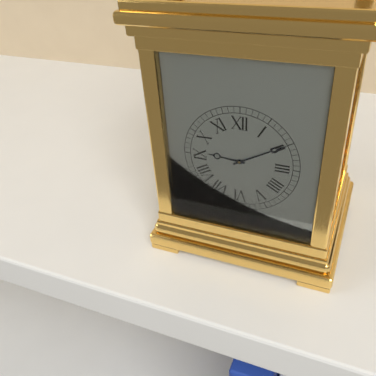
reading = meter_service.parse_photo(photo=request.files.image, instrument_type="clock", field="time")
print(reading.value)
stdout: 9:10
